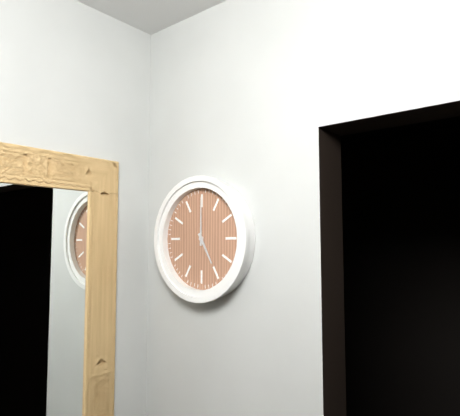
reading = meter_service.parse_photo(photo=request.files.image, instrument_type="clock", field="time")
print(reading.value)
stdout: 5:00
